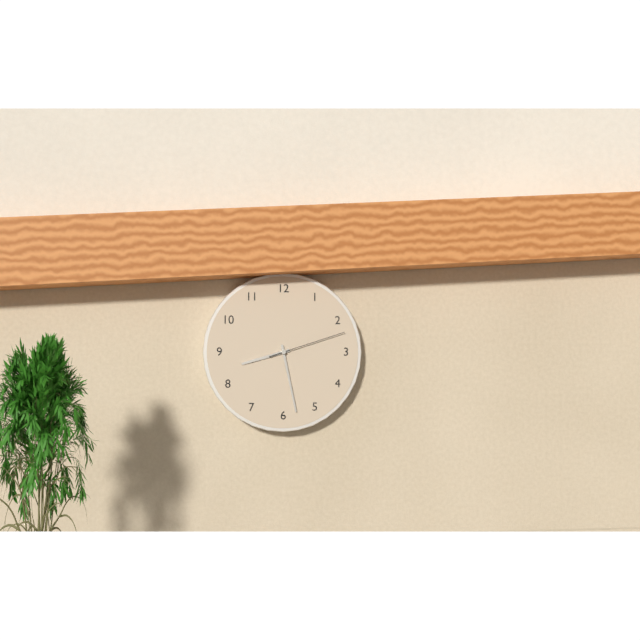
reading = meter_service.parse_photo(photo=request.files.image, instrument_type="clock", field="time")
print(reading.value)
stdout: 8:28:12
